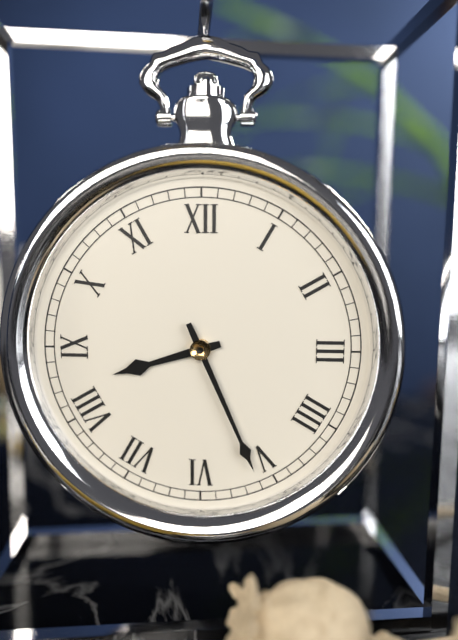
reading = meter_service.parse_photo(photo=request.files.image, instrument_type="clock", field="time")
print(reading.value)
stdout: 8:26
